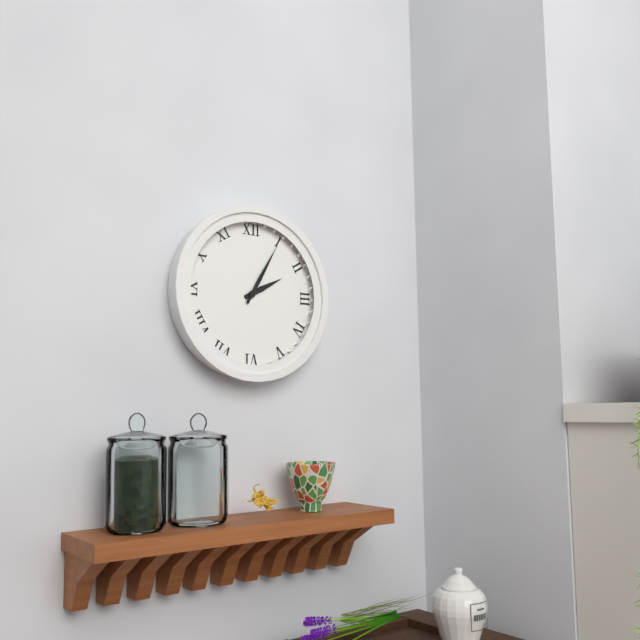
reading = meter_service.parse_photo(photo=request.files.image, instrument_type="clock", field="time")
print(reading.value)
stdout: 2:05
